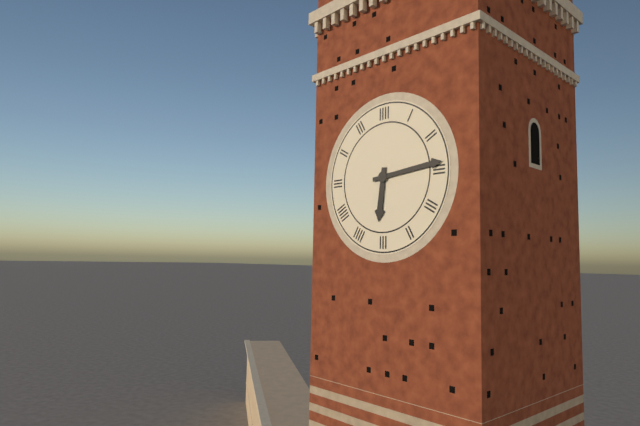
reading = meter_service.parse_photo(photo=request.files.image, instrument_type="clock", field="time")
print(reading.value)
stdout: 6:14
